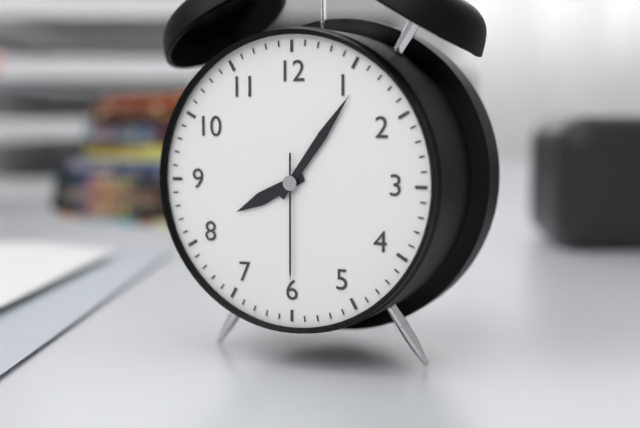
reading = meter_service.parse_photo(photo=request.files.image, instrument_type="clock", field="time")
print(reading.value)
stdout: 8:06:30
